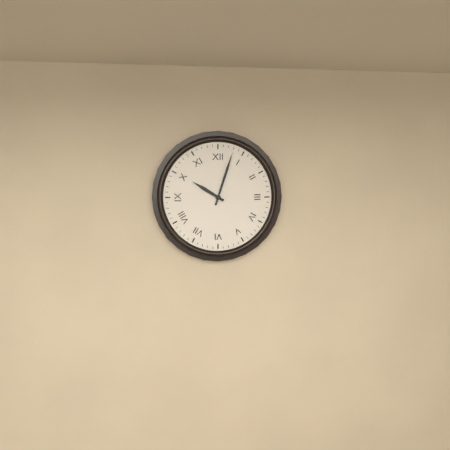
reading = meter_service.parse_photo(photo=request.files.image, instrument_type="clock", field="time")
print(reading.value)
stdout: 10:03
